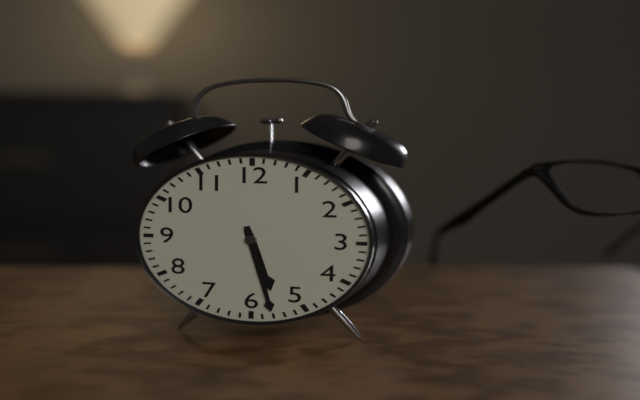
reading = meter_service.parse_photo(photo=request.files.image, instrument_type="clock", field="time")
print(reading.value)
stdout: 5:28
